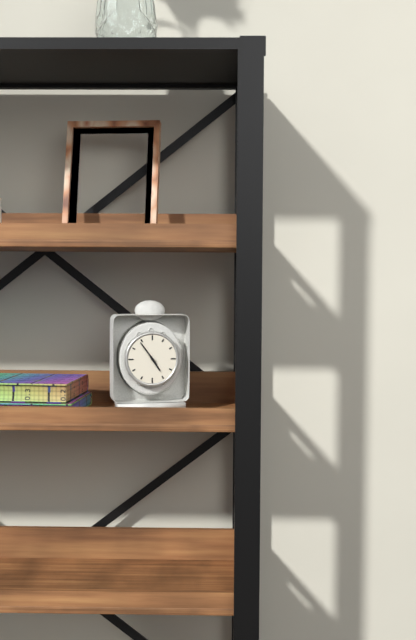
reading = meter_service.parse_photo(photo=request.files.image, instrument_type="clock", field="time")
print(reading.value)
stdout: 4:54
